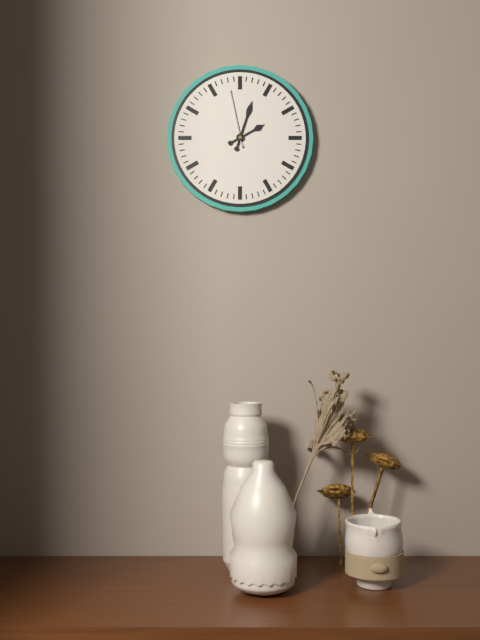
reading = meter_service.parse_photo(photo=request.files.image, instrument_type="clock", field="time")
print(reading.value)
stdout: 2:03:58
